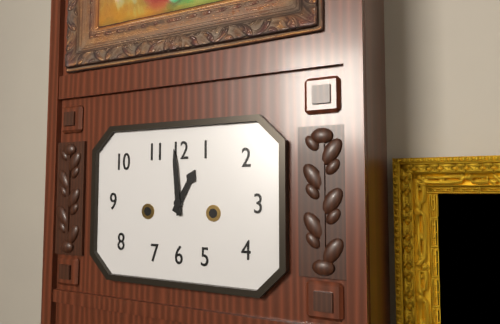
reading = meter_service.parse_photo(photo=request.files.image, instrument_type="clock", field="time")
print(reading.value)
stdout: 12:59
